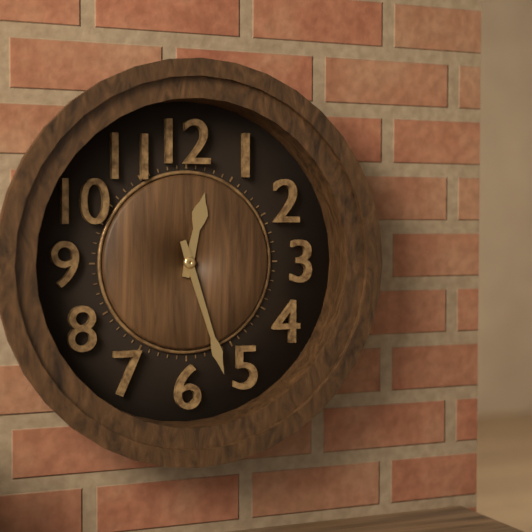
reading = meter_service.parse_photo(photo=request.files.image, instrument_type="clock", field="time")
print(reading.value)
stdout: 12:27
